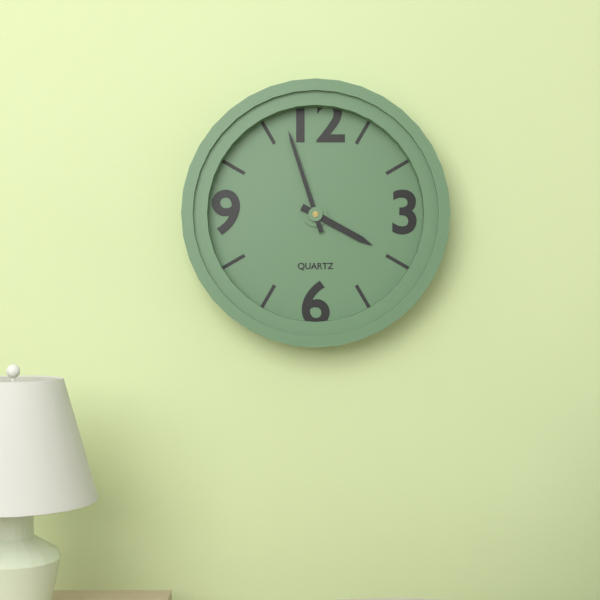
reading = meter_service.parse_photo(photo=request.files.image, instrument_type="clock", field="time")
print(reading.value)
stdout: 3:57
